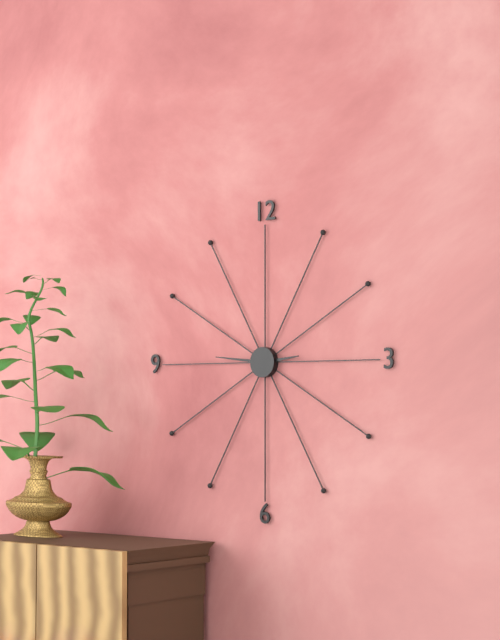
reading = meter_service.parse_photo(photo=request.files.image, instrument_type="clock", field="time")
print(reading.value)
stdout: 2:46
